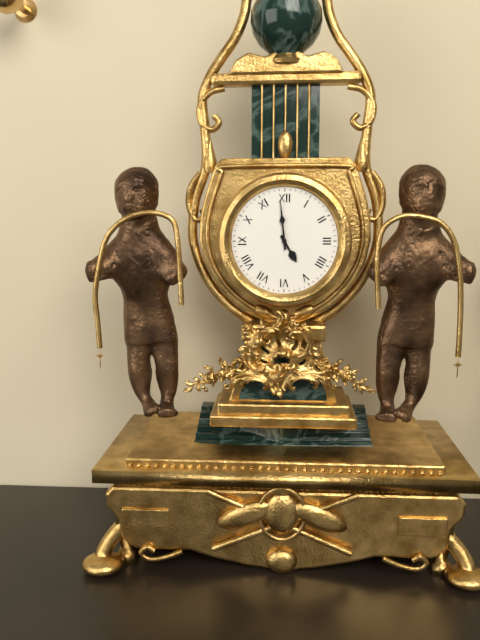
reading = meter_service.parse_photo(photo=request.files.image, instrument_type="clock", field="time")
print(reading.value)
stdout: 4:59
